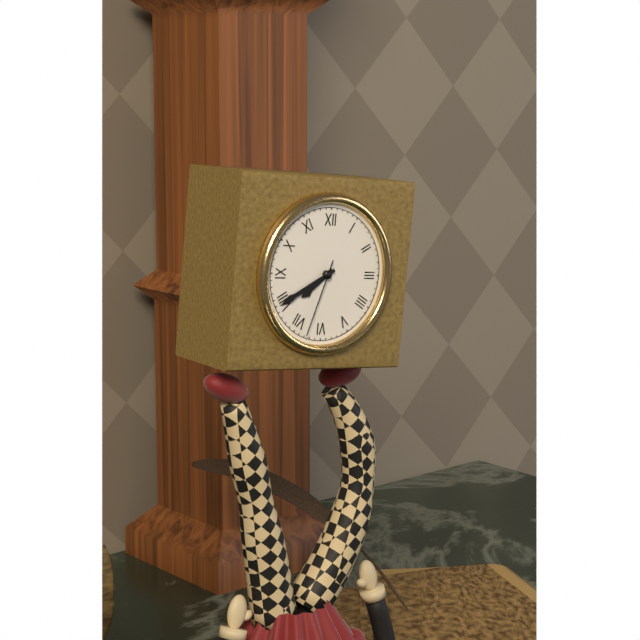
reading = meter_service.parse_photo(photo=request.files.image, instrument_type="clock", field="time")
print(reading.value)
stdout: 7:40:33
